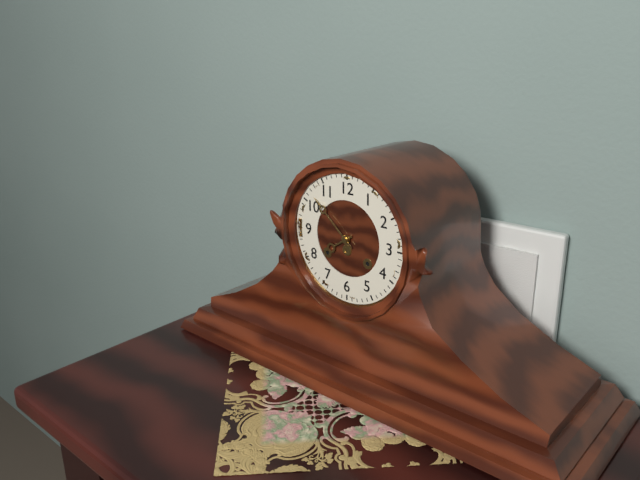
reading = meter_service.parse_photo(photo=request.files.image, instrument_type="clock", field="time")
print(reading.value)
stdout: 7:52
